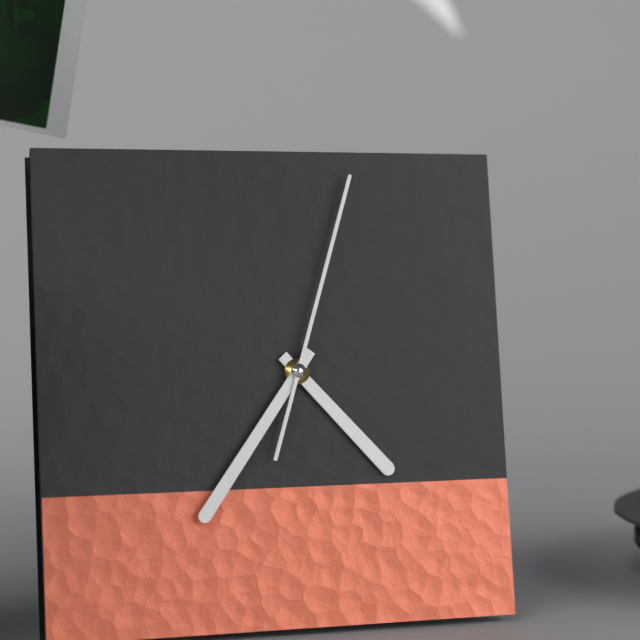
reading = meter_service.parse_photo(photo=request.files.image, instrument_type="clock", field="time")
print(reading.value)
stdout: 4:36:03
